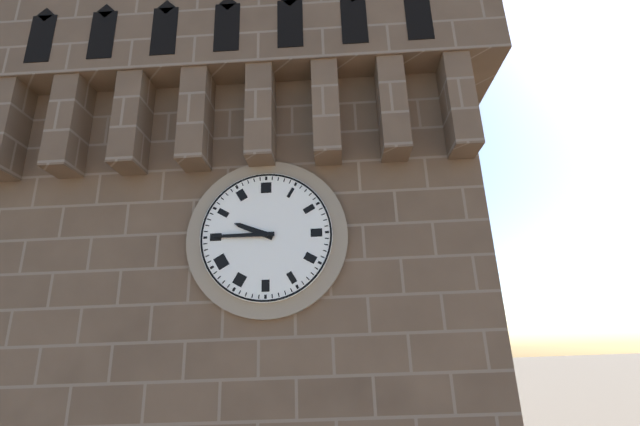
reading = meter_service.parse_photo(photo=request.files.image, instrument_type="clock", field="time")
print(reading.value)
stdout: 9:45
